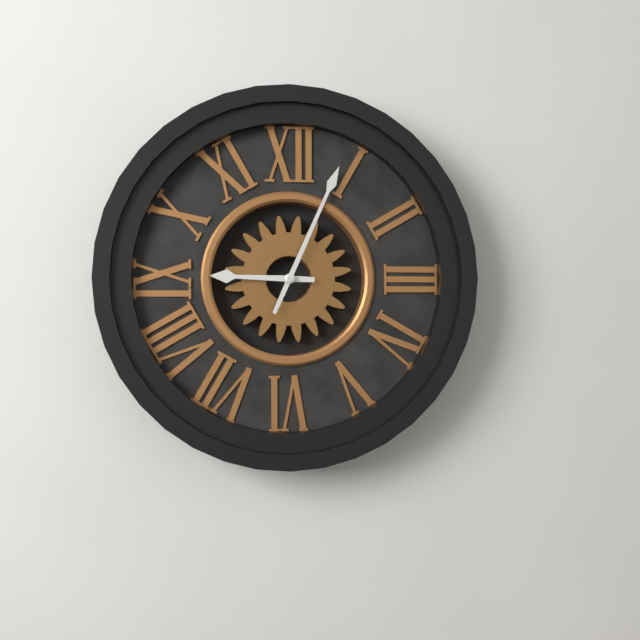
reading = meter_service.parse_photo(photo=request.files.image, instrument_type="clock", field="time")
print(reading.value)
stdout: 9:04
